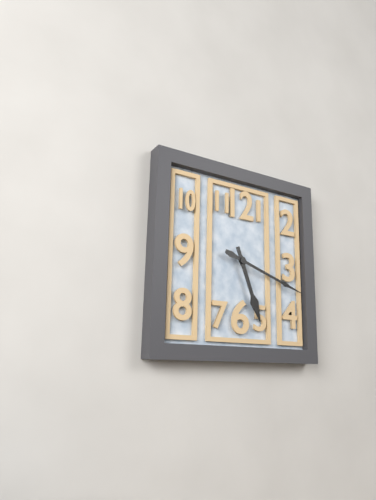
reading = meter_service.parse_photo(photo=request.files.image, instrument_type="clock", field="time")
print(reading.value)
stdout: 5:18
